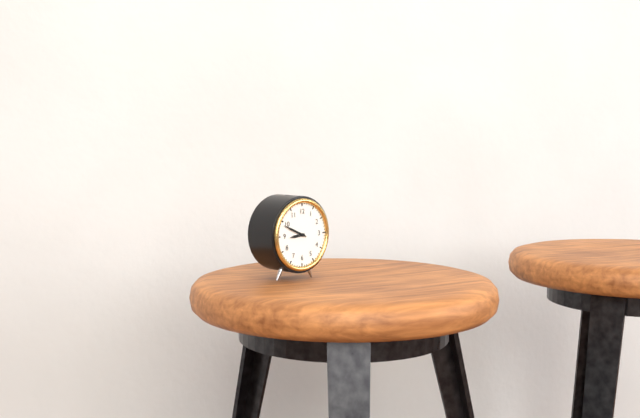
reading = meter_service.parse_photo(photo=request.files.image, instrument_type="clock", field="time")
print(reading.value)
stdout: 8:49
